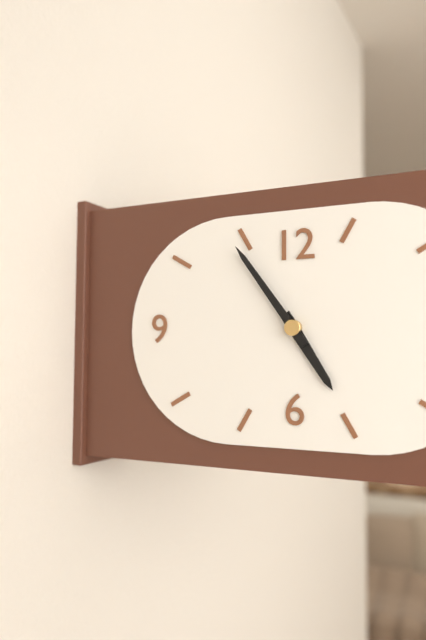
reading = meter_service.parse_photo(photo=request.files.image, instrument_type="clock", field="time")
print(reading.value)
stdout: 4:54
